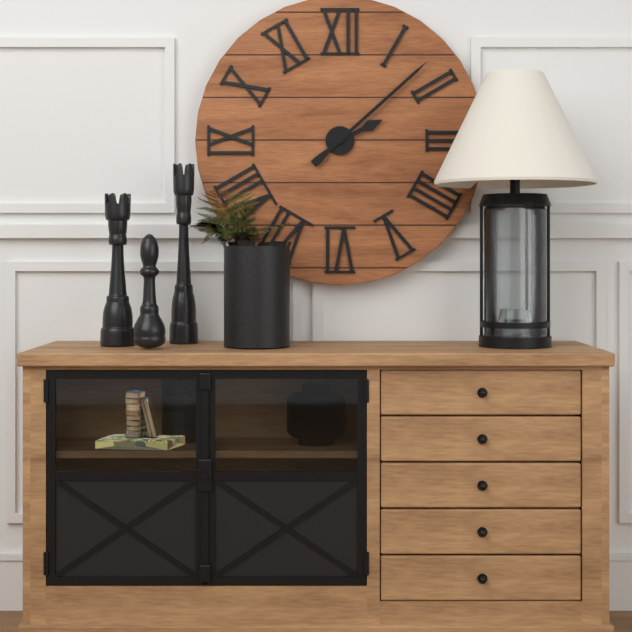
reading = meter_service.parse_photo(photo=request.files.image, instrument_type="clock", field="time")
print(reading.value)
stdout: 2:08
